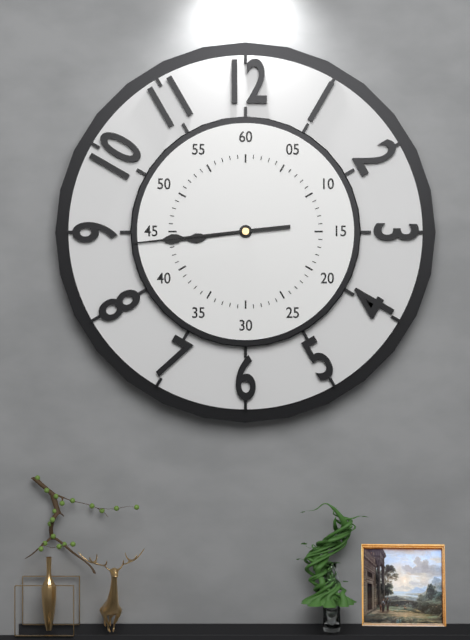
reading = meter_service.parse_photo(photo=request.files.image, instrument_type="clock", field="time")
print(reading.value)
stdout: 8:44:44
